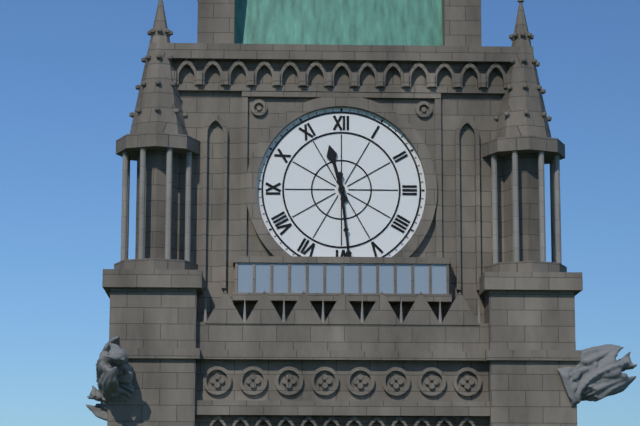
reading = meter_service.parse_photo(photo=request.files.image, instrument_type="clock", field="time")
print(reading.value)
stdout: 11:29
